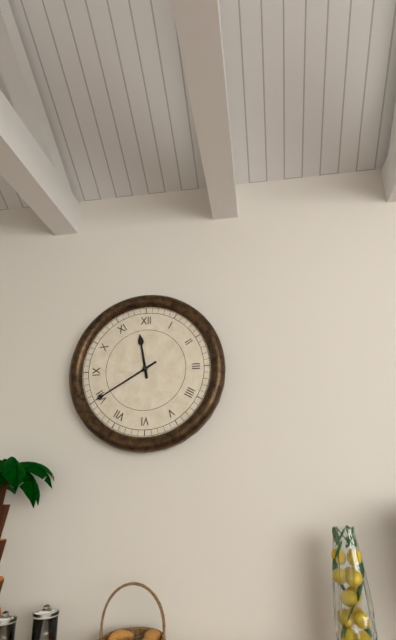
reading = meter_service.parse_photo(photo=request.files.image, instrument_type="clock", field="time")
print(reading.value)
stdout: 11:40
